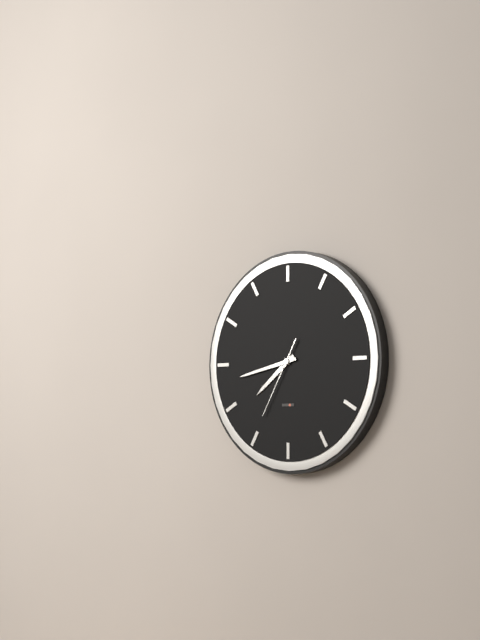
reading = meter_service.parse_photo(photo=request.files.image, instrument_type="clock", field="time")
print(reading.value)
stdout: 7:43:35
